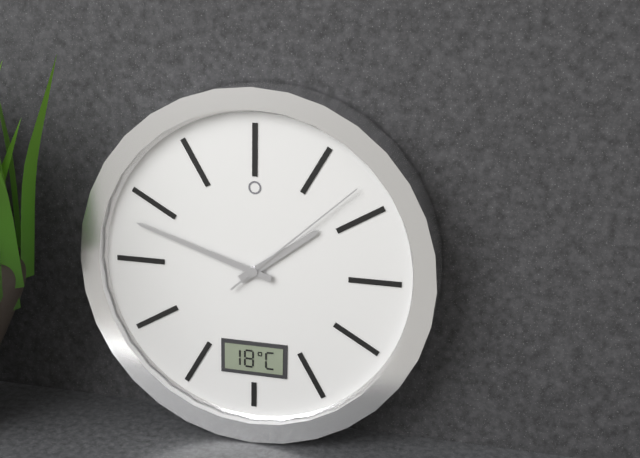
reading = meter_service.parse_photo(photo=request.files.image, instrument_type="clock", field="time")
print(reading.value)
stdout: 1:48:08
